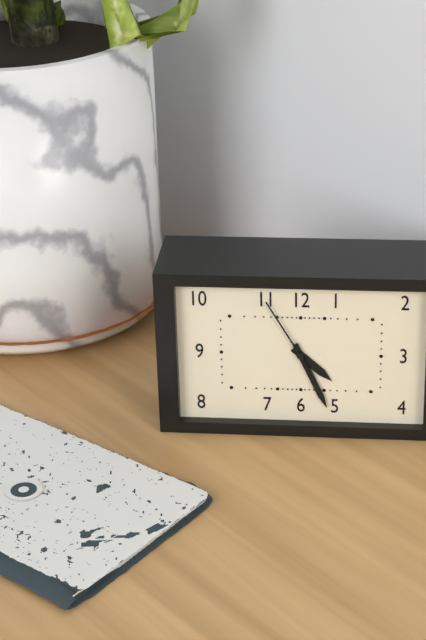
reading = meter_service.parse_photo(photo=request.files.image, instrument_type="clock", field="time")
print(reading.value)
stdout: 4:26:55
